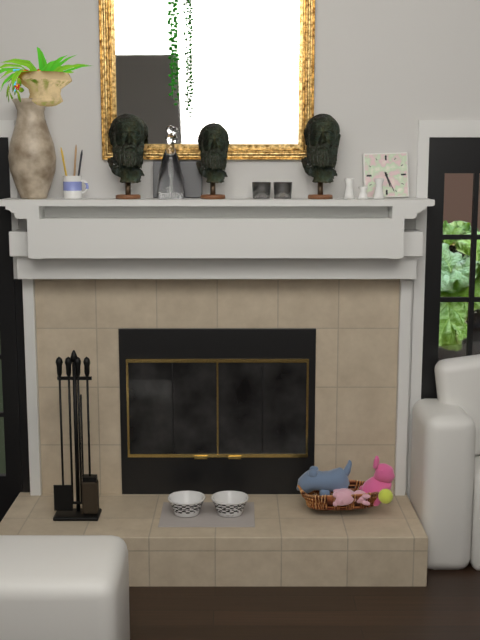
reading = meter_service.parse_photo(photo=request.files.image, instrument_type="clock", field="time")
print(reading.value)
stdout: 5:26
